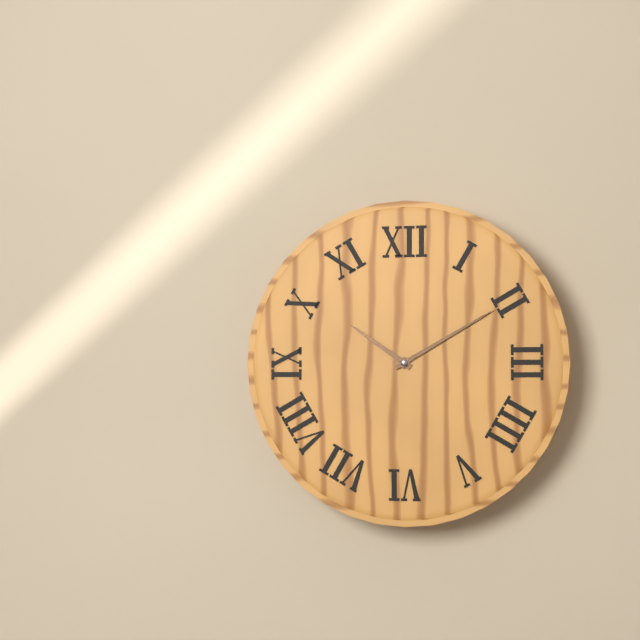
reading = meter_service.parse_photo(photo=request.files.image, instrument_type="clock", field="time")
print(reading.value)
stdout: 10:10
